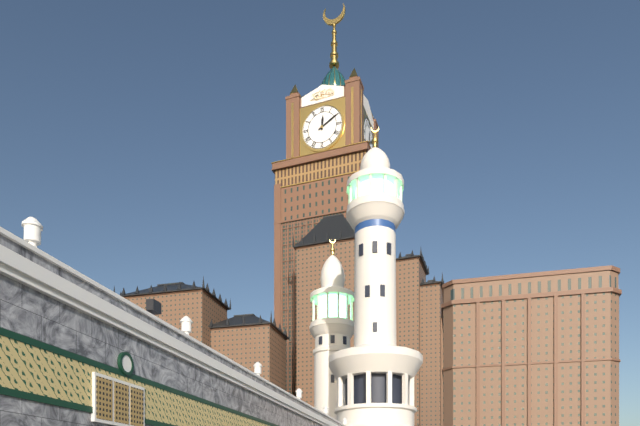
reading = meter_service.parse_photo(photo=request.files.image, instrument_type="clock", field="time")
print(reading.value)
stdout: 12:10
